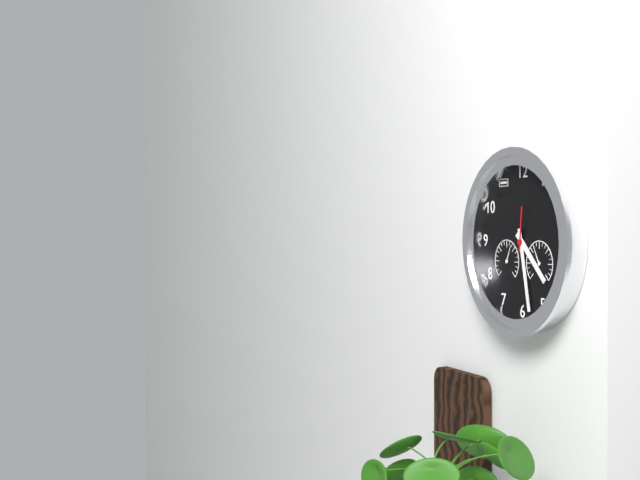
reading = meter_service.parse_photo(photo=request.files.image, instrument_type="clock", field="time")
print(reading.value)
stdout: 4:28
